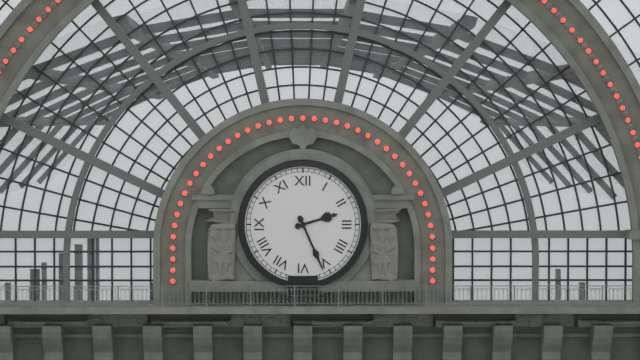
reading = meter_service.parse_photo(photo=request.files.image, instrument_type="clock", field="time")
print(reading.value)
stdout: 2:26
